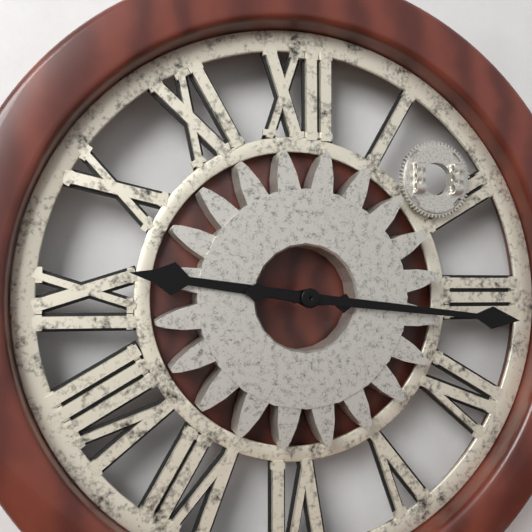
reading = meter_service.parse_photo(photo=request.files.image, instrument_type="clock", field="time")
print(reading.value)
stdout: 9:16
